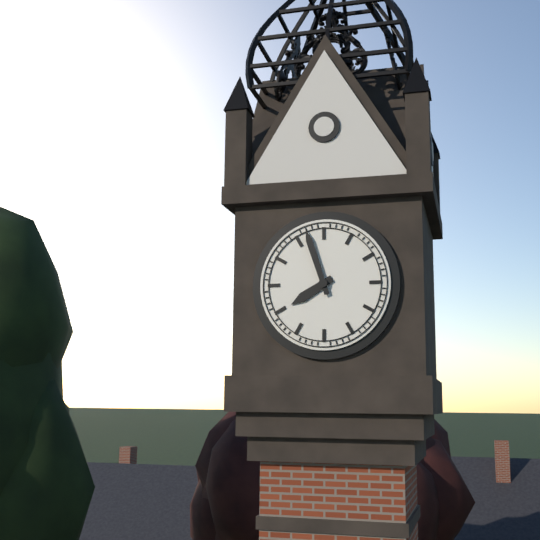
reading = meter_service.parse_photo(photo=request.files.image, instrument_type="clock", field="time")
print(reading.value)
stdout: 7:57
